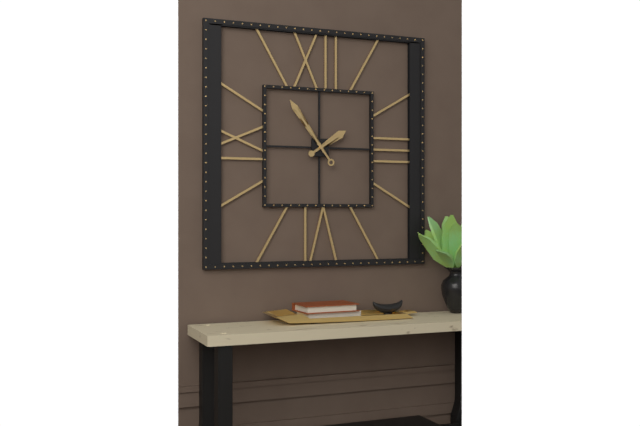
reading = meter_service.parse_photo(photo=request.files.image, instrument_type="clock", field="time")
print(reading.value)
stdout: 1:54
